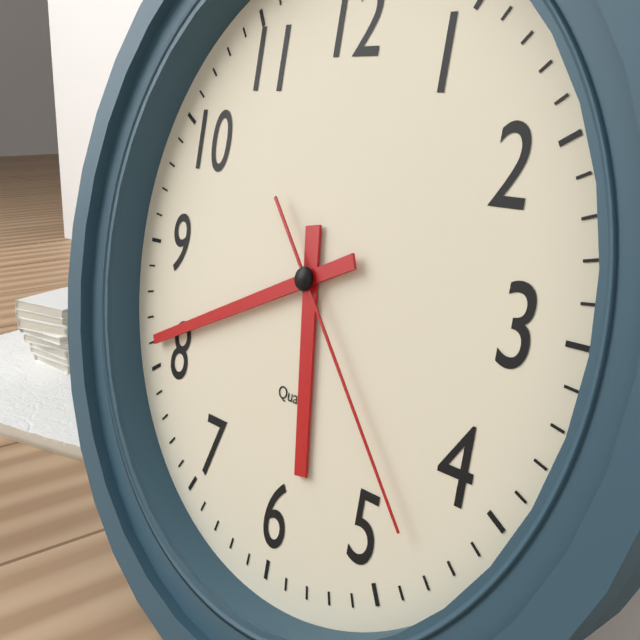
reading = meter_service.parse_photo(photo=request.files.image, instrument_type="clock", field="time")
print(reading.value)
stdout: 5:41:23
